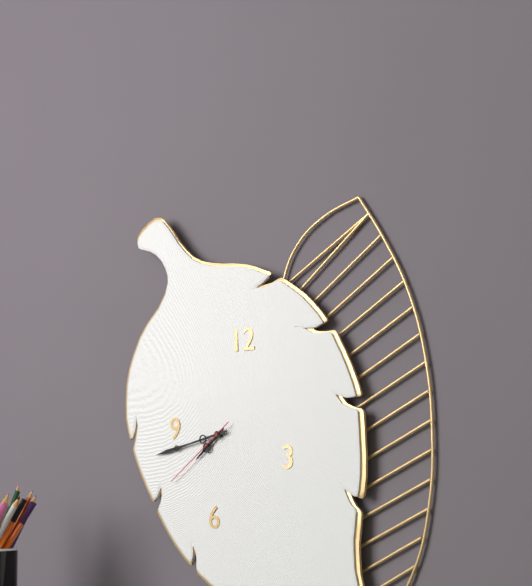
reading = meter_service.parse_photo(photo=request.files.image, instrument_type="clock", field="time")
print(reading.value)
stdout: 7:43:39
